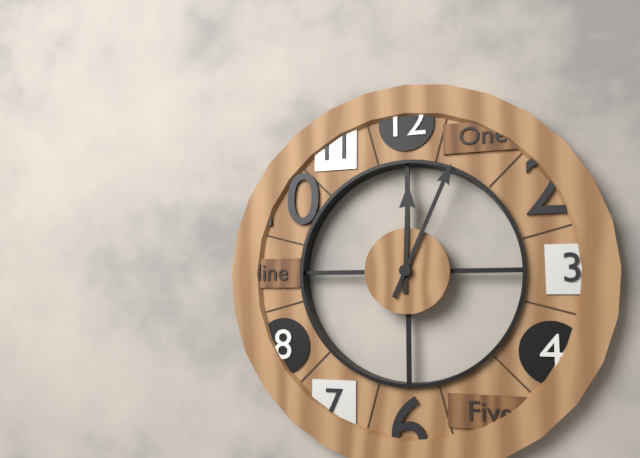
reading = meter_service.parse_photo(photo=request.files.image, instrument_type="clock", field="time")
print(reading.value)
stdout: 12:04
